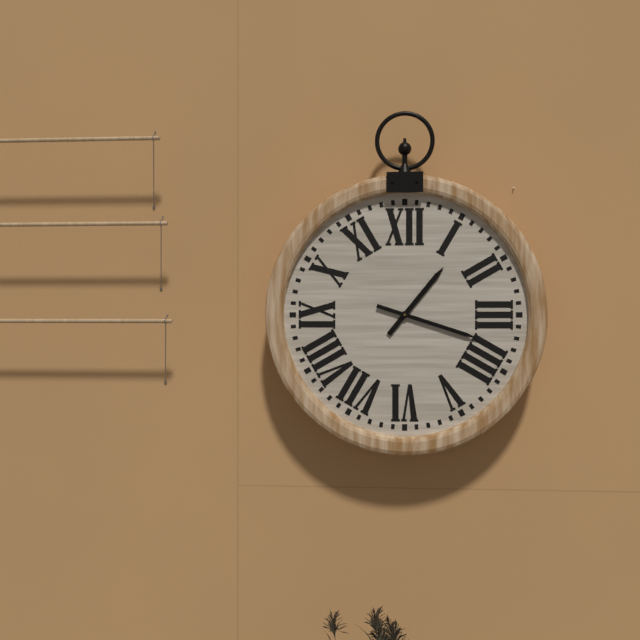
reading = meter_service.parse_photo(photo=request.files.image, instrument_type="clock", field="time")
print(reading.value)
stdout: 1:18
